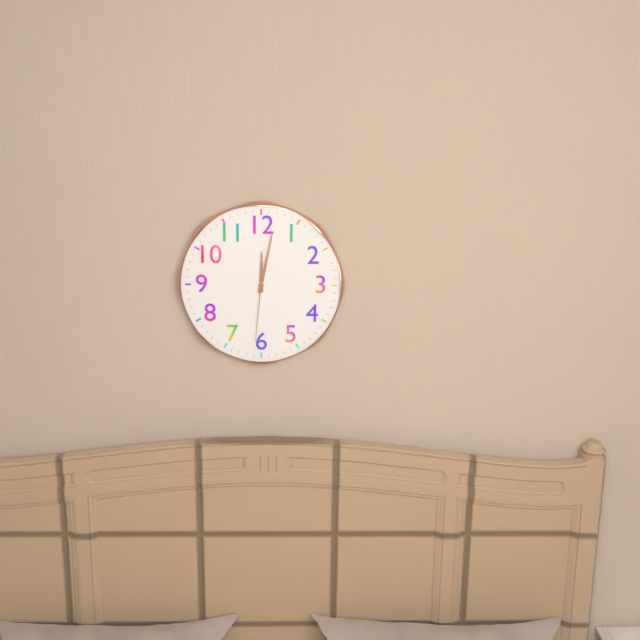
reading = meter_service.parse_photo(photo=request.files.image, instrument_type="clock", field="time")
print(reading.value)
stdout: 12:02:31
